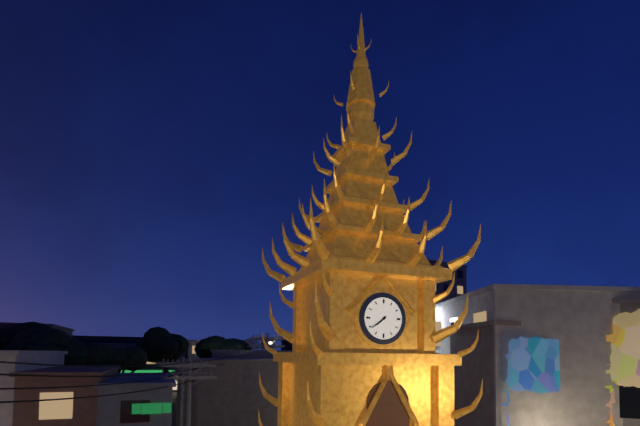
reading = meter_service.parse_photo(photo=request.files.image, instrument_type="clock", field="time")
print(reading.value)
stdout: 7:39
